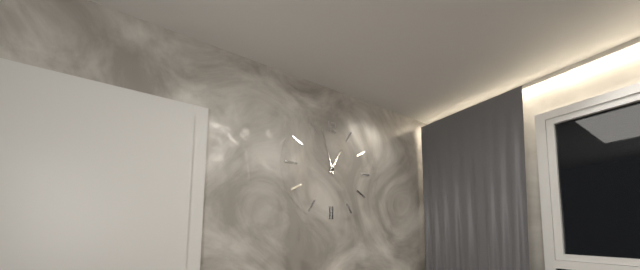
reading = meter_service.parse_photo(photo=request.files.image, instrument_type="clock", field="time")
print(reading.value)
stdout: 12:57
